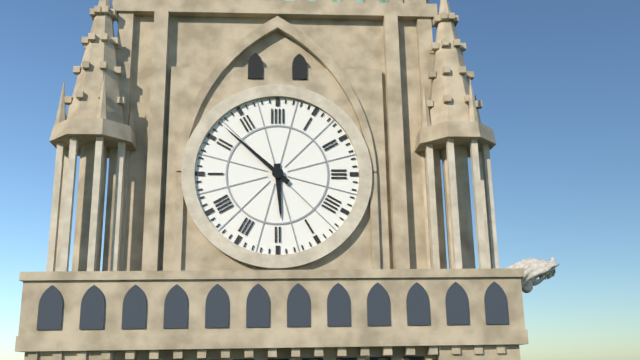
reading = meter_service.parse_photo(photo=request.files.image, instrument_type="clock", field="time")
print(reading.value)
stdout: 5:52
